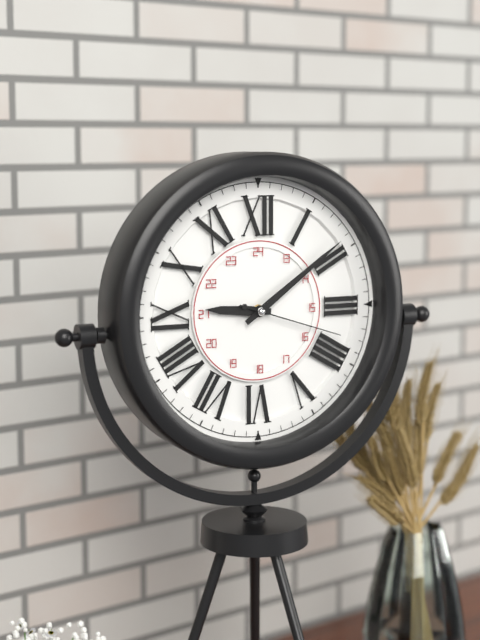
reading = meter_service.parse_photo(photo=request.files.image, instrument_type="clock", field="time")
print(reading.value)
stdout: 9:09:18
